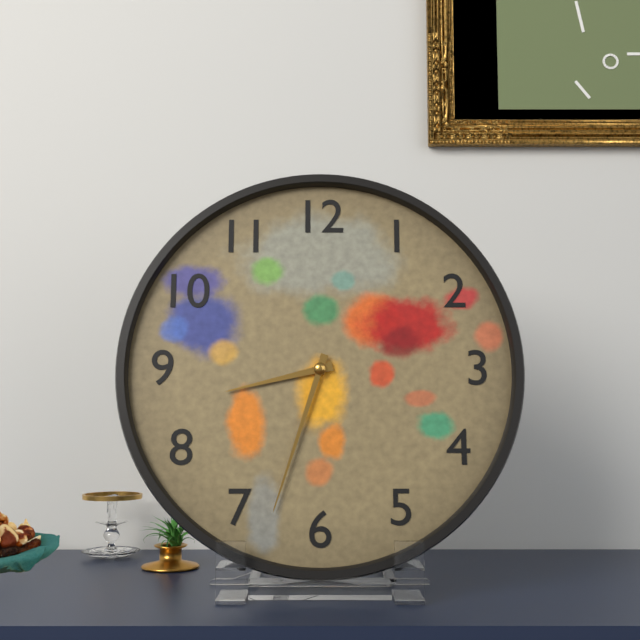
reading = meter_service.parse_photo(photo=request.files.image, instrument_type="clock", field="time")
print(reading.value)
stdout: 8:33
